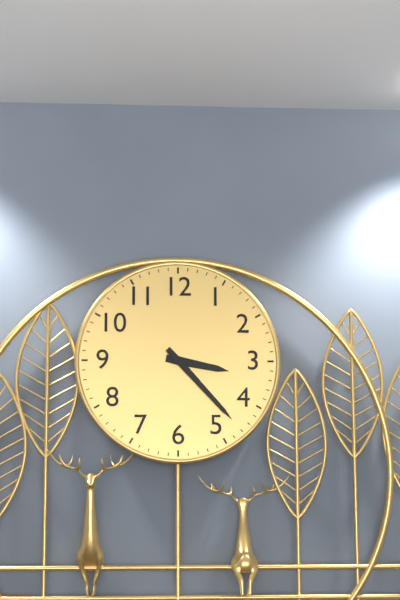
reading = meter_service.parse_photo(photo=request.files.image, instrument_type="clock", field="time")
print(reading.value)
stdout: 3:23
